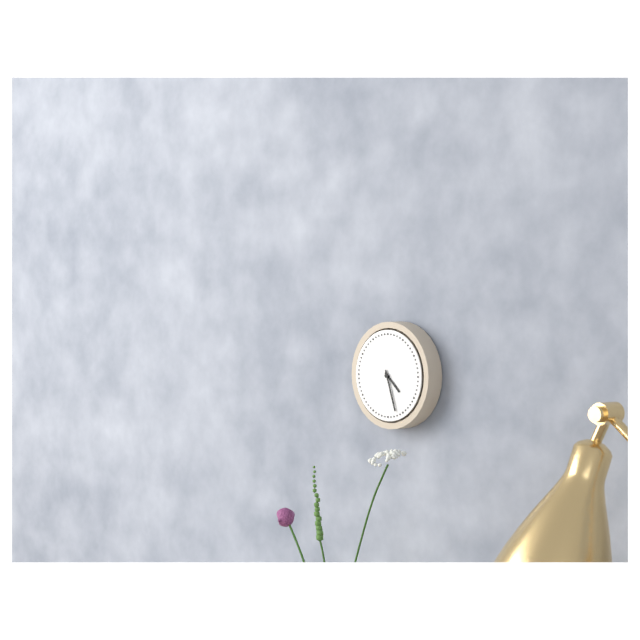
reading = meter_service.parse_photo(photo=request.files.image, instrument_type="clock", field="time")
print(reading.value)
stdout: 4:27
